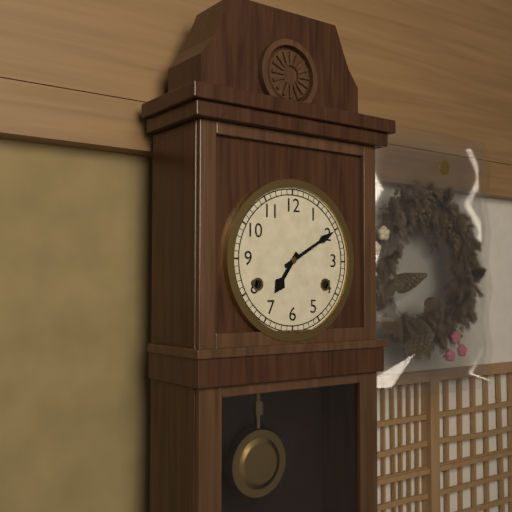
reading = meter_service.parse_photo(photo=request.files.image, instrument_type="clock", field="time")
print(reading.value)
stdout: 7:10
